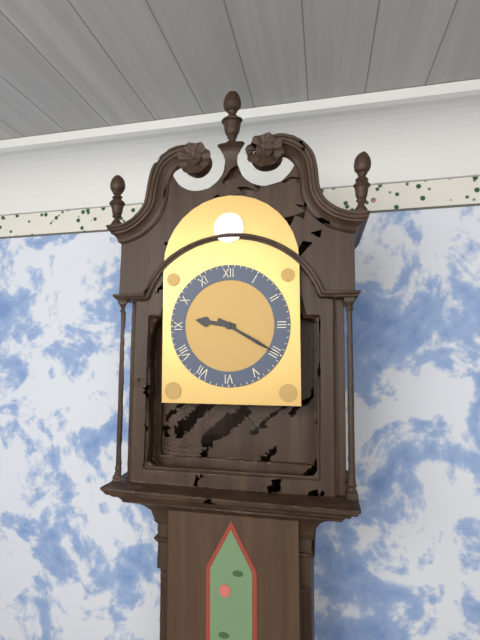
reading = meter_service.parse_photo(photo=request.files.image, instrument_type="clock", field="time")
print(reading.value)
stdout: 9:20
